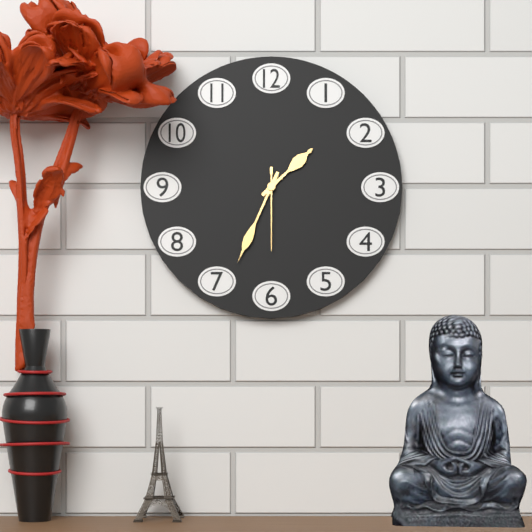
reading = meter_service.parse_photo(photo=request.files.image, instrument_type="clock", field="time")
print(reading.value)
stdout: 1:34:30
